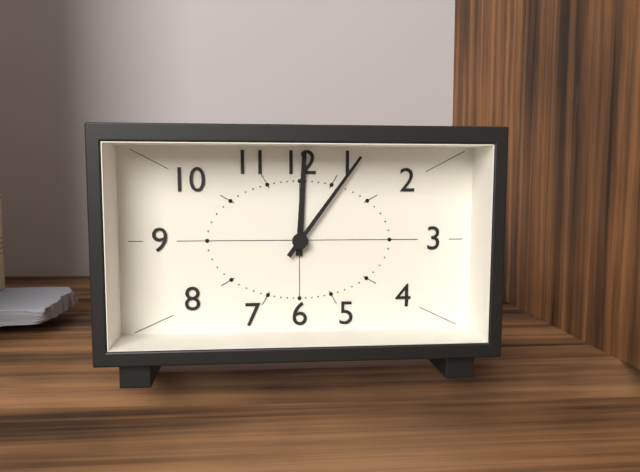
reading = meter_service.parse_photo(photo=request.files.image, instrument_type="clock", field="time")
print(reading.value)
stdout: 12:06
